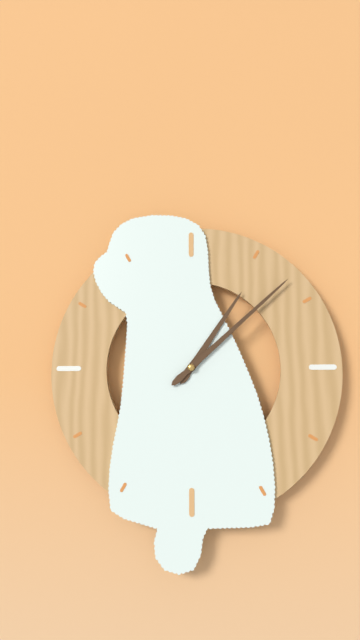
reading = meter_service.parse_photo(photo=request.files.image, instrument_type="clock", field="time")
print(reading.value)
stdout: 1:08
